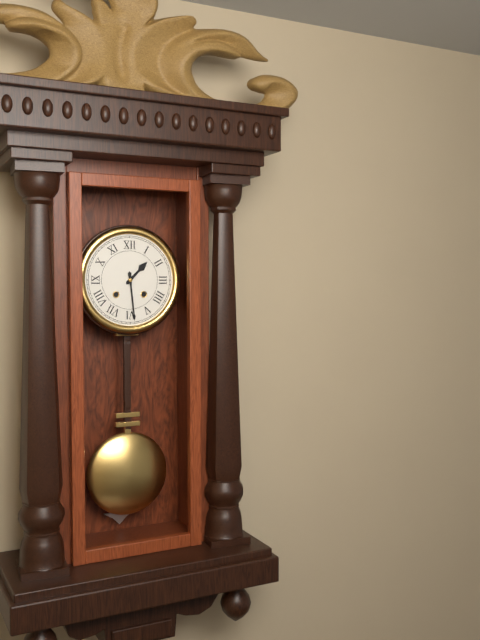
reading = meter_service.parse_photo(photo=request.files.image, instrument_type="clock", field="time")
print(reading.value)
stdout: 1:29
